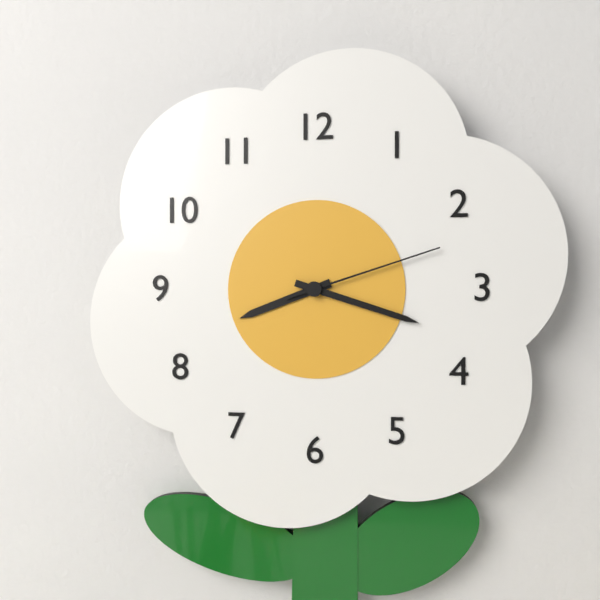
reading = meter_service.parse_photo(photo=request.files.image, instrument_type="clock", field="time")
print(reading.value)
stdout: 8:18:12
